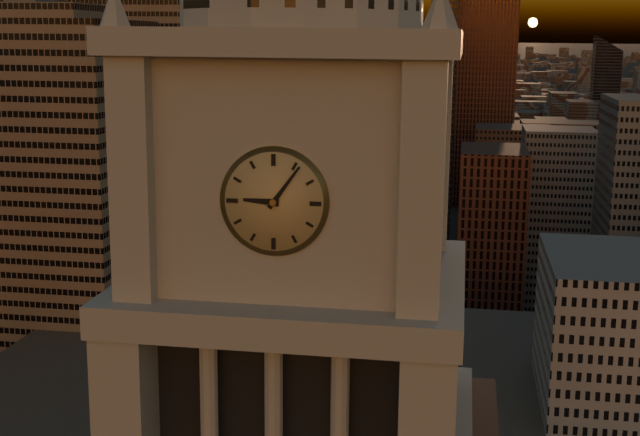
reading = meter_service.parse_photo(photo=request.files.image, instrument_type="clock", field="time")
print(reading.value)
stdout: 9:06
